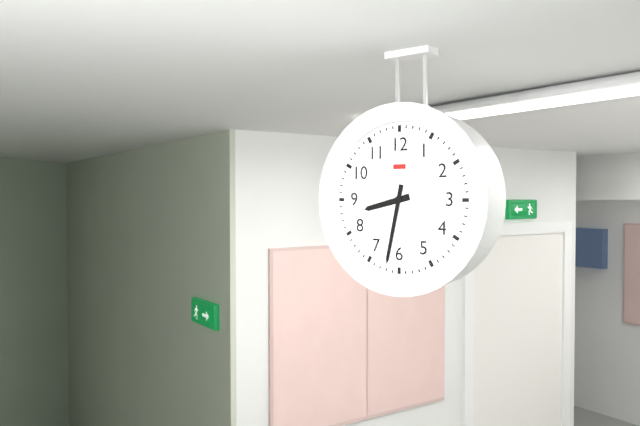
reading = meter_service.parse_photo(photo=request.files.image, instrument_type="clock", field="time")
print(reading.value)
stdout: 8:32
